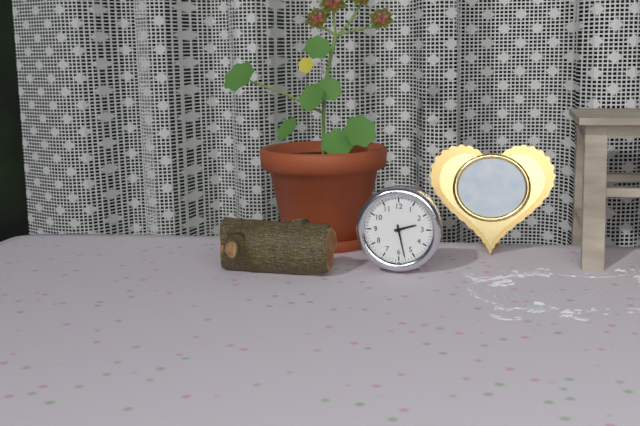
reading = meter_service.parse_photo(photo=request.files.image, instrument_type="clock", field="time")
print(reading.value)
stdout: 2:28
